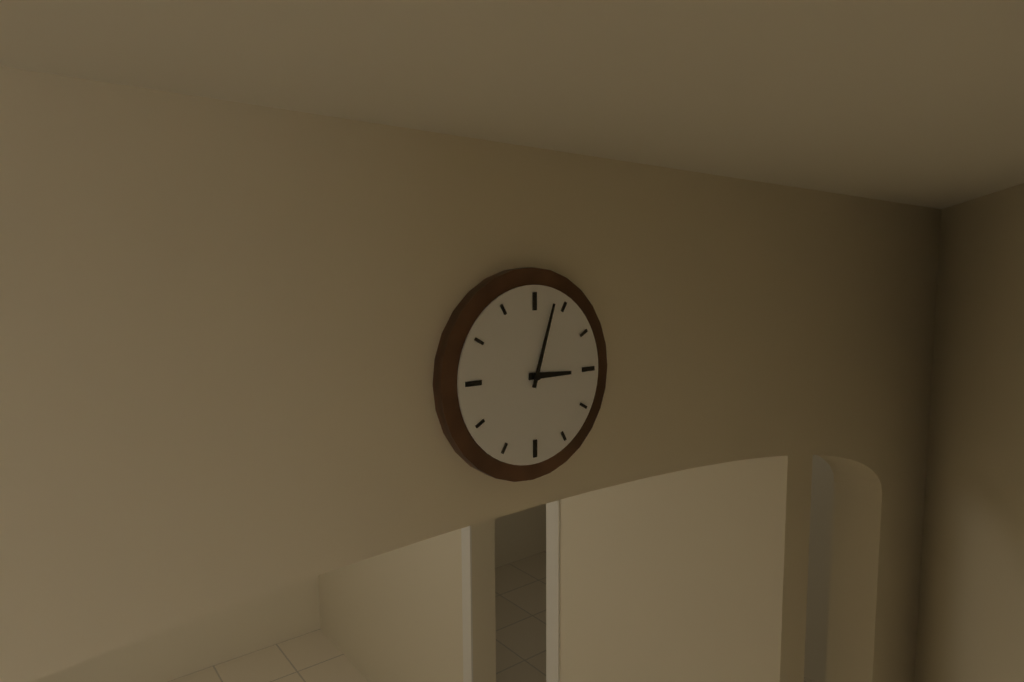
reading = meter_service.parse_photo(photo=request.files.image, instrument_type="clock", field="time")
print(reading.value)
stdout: 3:03
